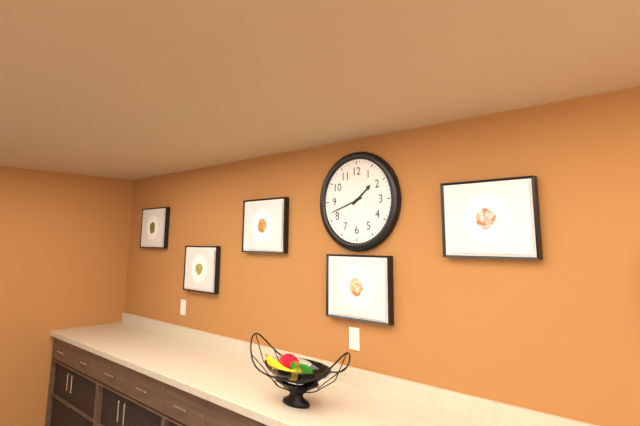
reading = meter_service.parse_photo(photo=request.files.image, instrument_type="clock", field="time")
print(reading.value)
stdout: 1:42
